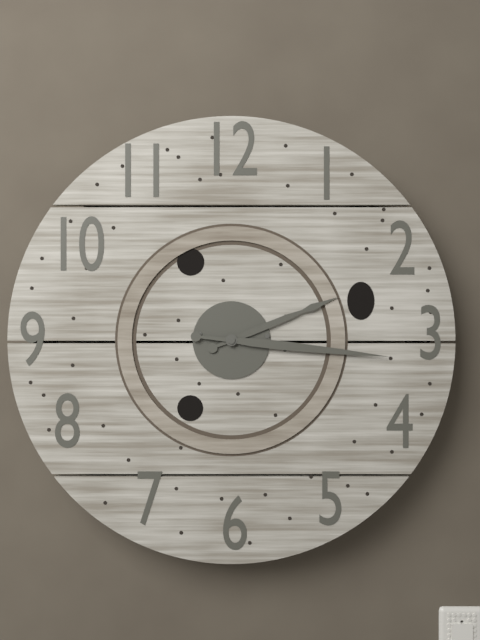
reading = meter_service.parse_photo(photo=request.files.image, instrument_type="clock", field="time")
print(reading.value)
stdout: 2:16
